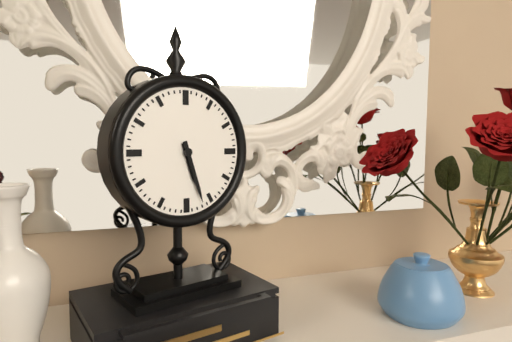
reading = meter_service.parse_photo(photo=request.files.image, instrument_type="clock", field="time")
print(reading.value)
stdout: 5:27
